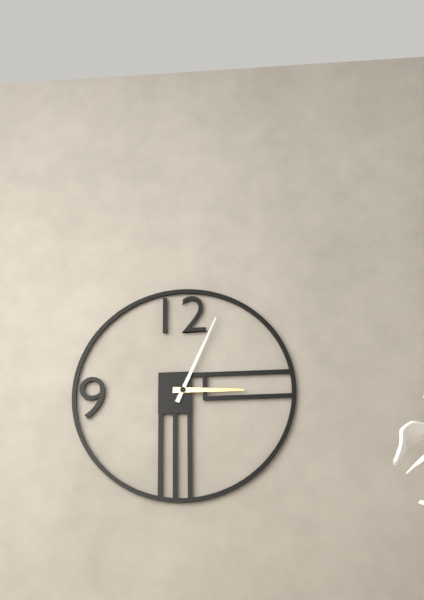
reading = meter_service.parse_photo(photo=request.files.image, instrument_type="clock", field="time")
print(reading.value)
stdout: 3:04
